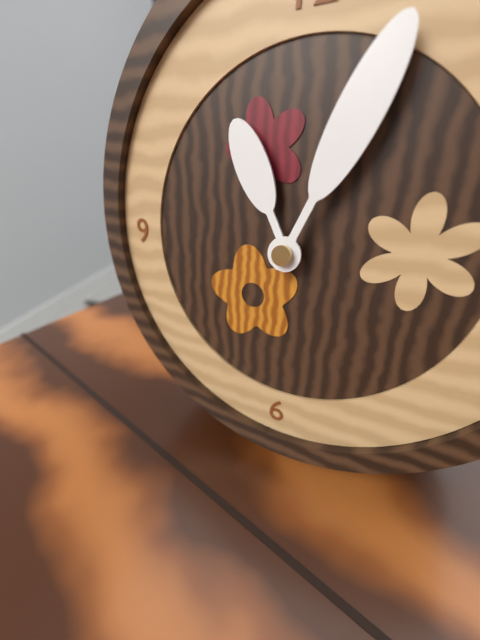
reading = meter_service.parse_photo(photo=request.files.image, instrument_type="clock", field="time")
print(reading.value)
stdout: 11:04
